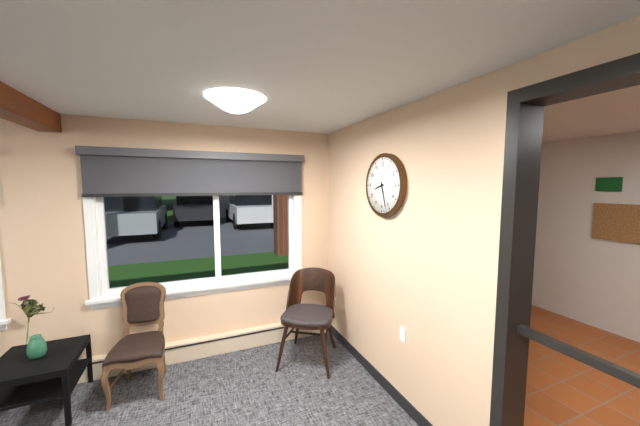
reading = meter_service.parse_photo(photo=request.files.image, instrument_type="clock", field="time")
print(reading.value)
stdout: 8:27
